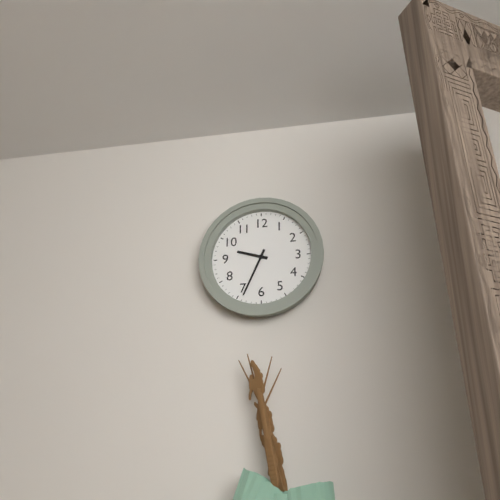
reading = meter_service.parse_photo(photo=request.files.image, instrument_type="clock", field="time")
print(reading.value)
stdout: 9:34
